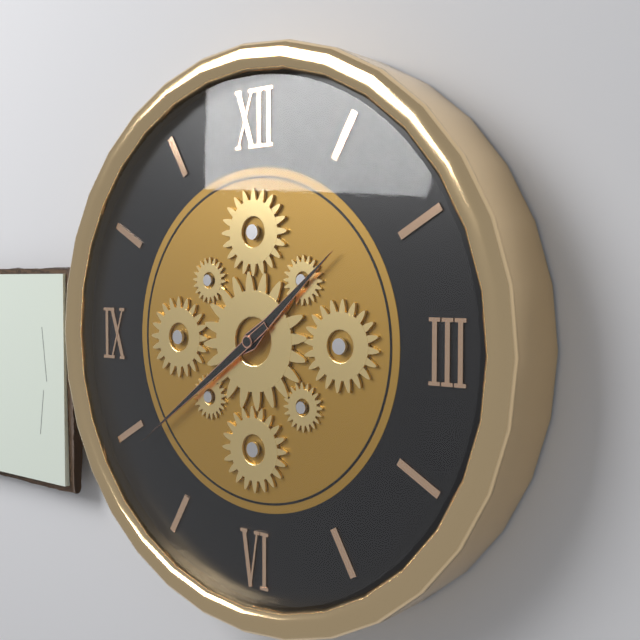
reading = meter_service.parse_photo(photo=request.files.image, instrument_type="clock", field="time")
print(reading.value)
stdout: 1:39
